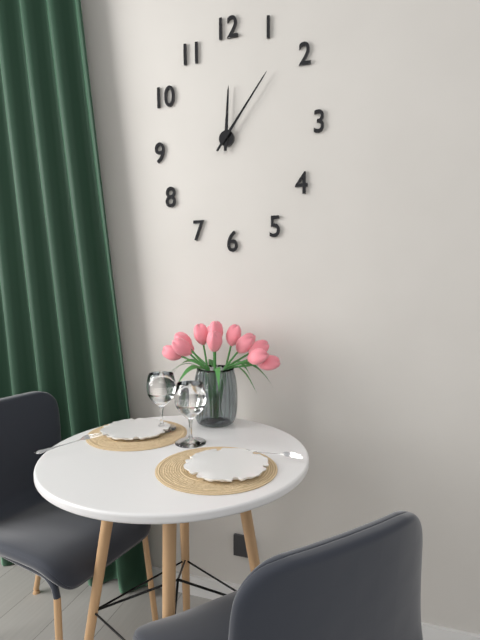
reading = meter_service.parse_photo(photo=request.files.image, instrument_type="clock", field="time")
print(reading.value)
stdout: 12:06
